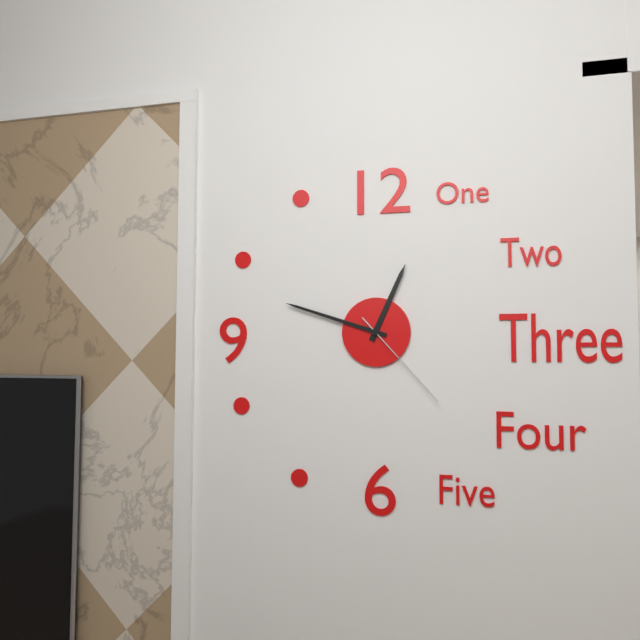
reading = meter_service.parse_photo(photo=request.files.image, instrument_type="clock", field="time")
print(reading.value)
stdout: 12:48:23
